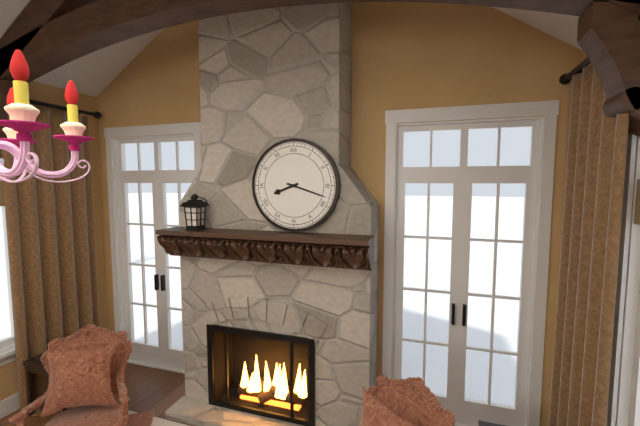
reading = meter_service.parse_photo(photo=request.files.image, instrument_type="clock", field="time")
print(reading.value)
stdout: 8:18
